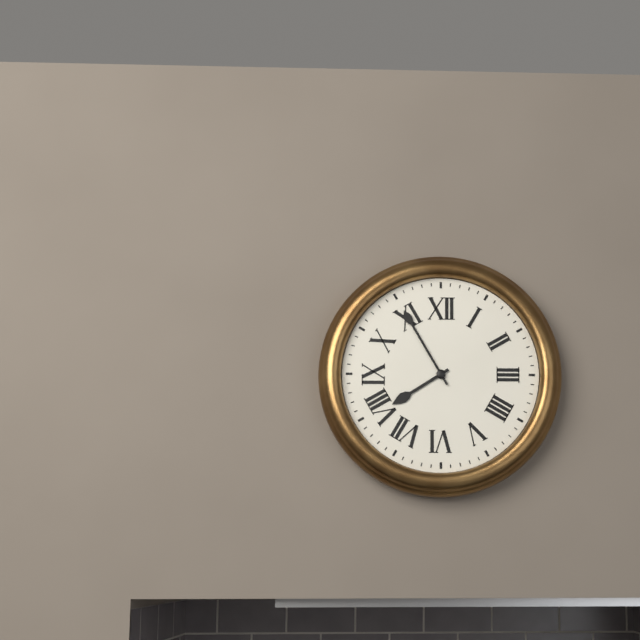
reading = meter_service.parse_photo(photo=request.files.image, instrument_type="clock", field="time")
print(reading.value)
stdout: 7:55
